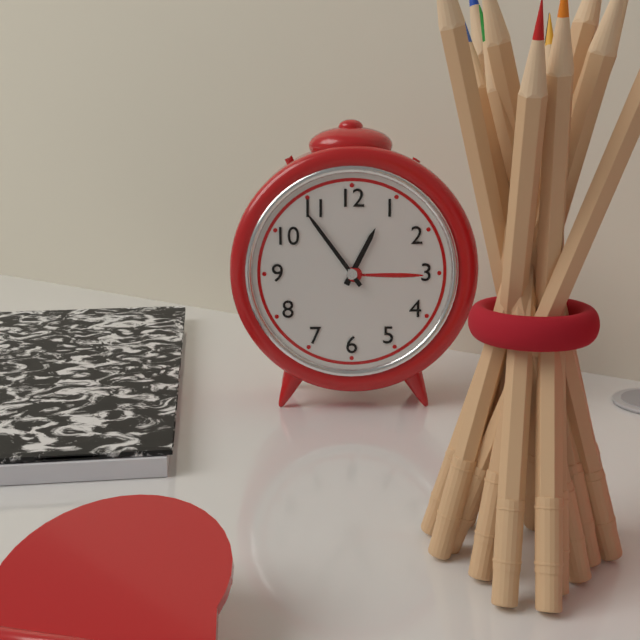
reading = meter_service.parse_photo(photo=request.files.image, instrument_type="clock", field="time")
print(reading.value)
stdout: 12:54
